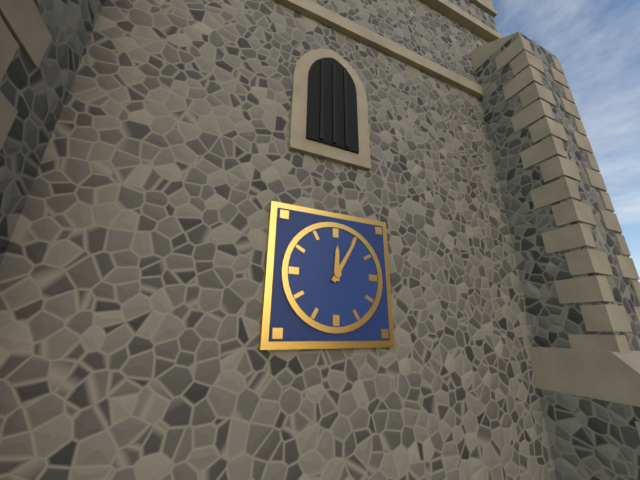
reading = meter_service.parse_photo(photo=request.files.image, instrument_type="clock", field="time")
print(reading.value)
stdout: 12:05
